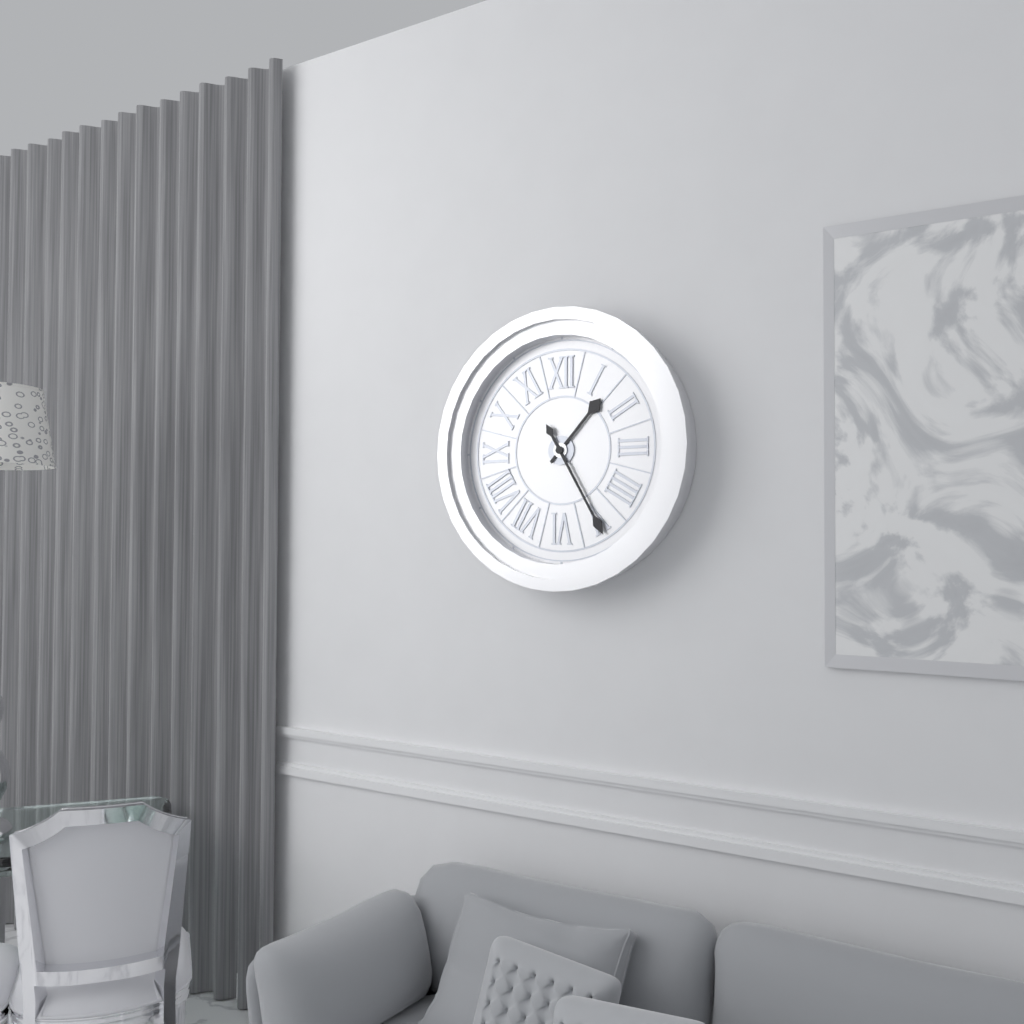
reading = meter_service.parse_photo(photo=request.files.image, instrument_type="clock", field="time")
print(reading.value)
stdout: 1:25
